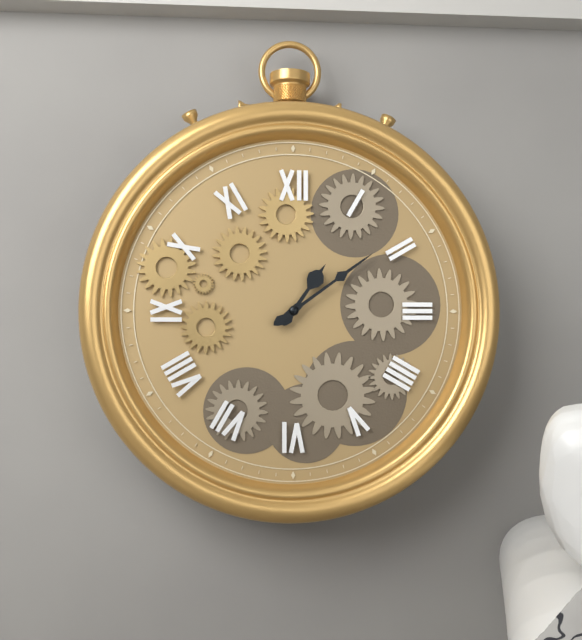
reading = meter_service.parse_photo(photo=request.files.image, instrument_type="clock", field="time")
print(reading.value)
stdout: 1:09
